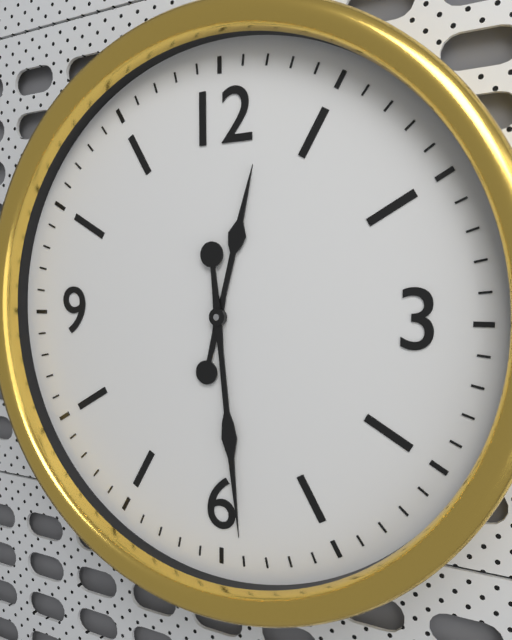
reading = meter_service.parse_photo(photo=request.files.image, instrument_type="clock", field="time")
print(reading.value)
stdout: 12:29
